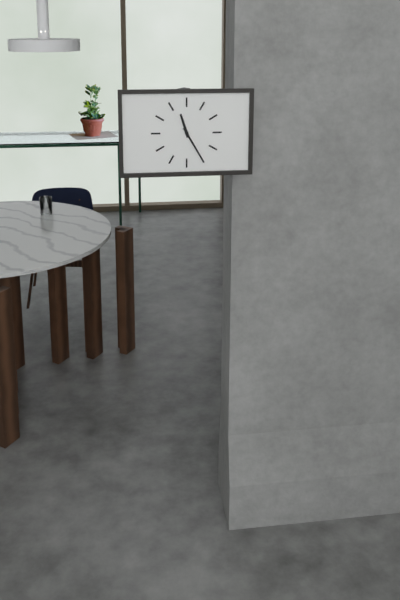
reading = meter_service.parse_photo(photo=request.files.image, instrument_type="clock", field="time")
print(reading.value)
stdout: 11:25
